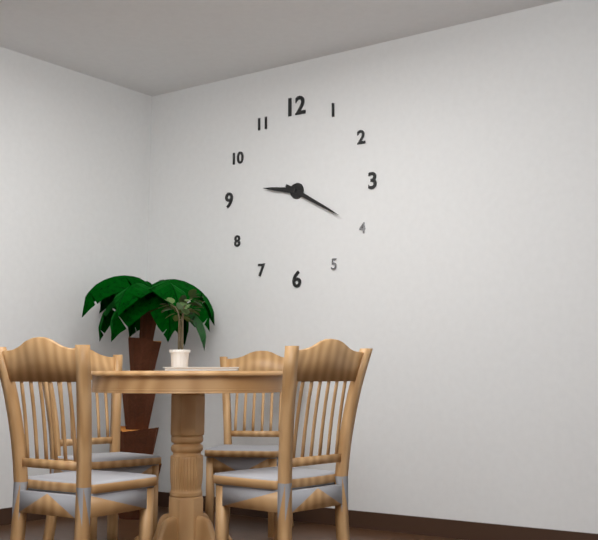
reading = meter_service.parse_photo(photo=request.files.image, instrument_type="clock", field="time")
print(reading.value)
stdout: 9:20
